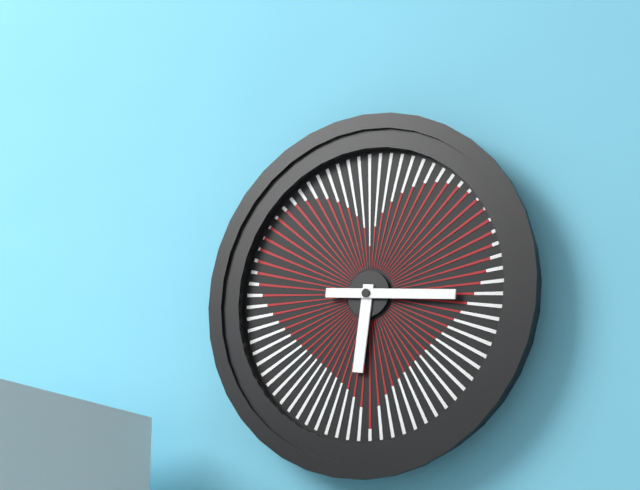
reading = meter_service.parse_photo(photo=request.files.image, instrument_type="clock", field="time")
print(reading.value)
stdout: 6:16
